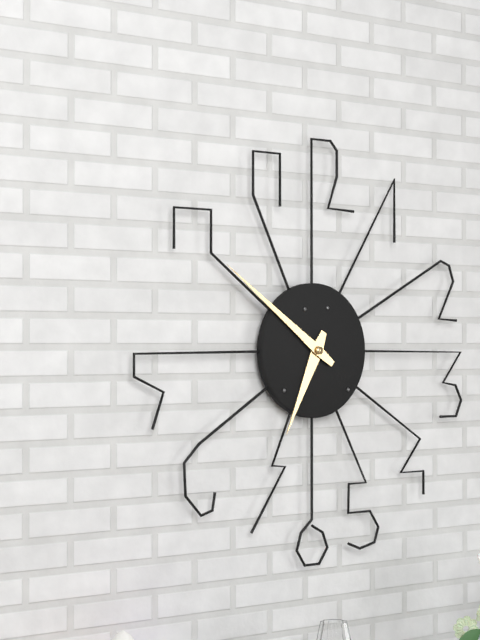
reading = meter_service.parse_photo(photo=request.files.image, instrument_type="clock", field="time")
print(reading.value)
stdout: 6:51
